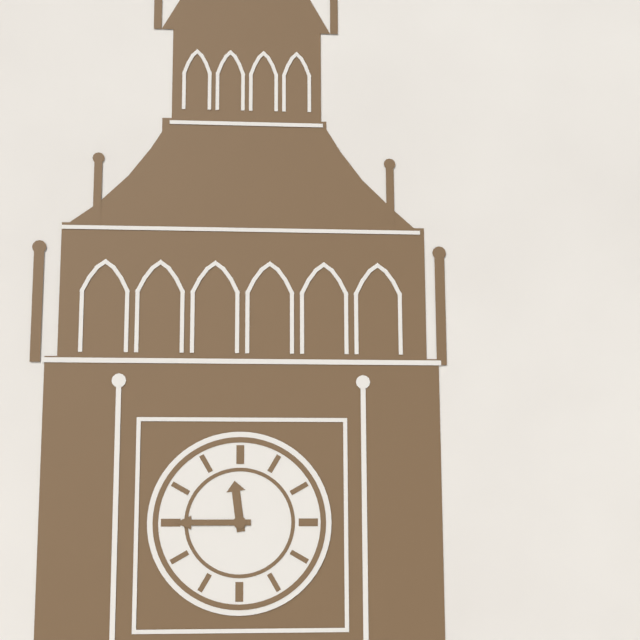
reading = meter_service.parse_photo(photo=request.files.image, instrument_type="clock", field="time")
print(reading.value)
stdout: 11:45
